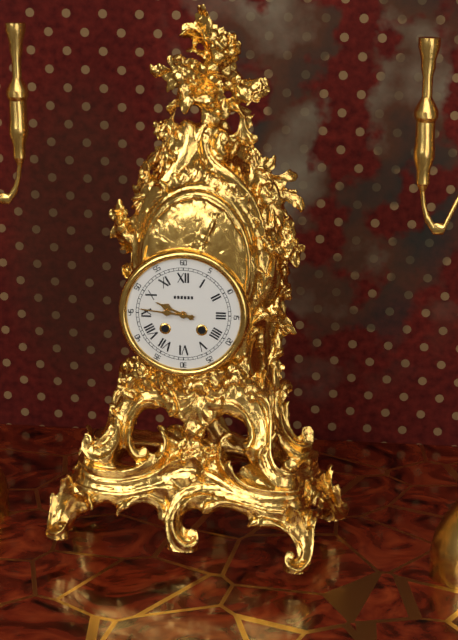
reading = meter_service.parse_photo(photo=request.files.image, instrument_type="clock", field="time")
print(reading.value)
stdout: 9:46
